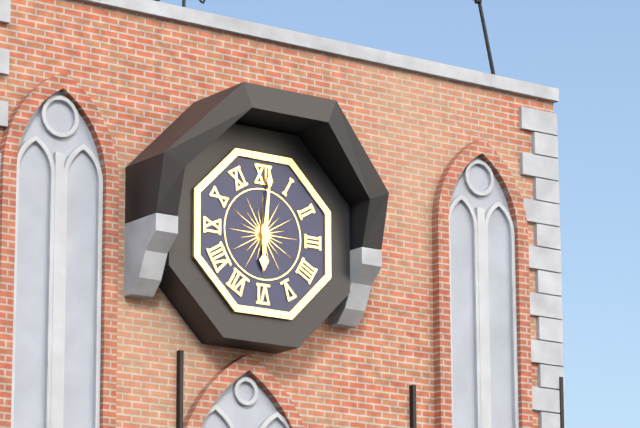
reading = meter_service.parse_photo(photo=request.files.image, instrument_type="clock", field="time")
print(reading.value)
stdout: 6:01
